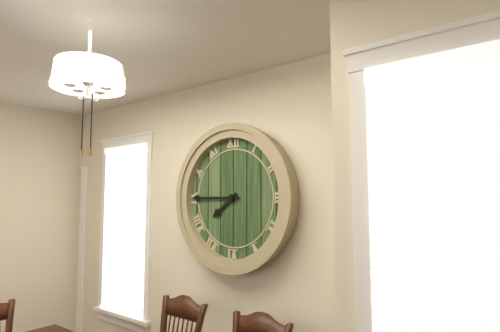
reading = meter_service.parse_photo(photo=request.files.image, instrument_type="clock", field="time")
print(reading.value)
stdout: 7:45
